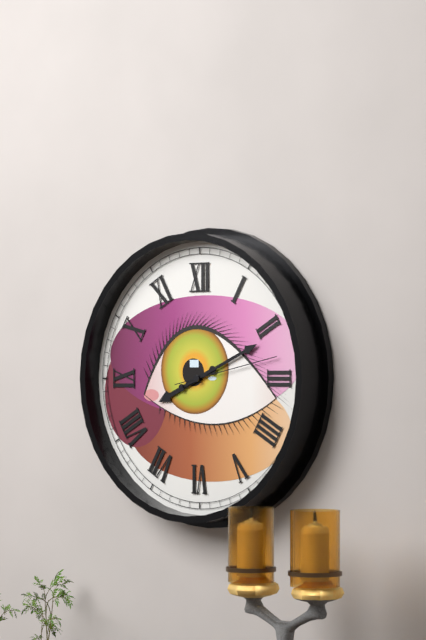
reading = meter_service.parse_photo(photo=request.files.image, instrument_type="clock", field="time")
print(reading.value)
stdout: 8:11:13
